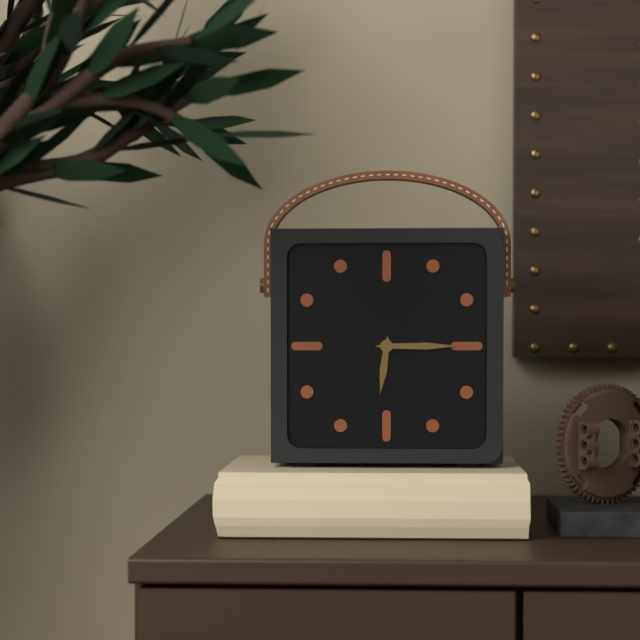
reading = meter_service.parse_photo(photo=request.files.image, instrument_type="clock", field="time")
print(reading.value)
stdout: 6:15
